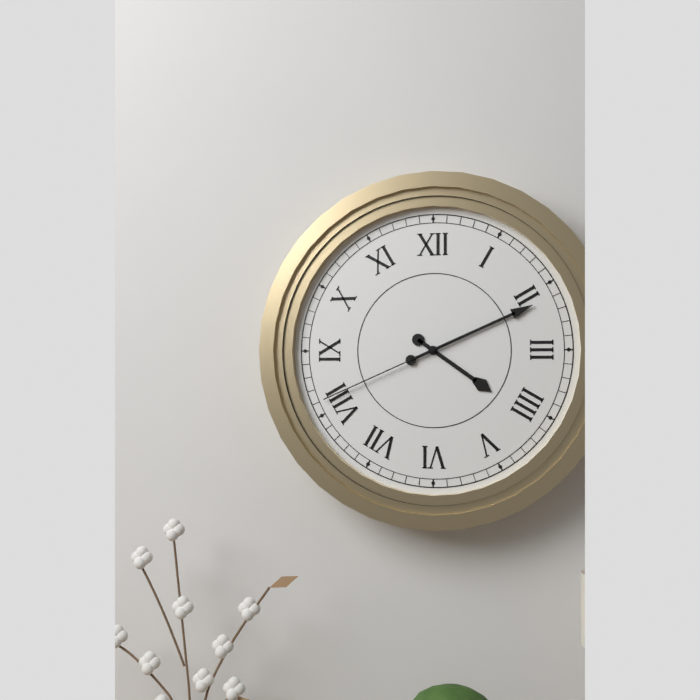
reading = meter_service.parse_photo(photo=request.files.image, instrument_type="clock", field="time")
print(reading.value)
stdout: 4:11:41
